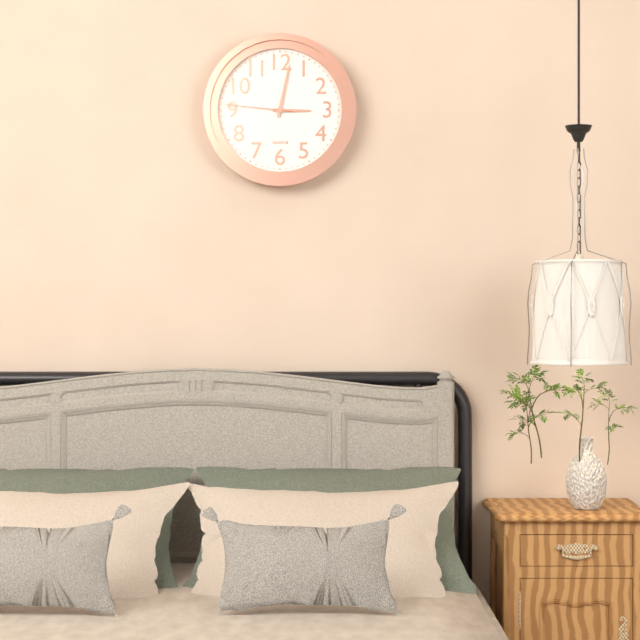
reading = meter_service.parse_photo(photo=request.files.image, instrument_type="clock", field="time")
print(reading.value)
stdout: 3:02:46
